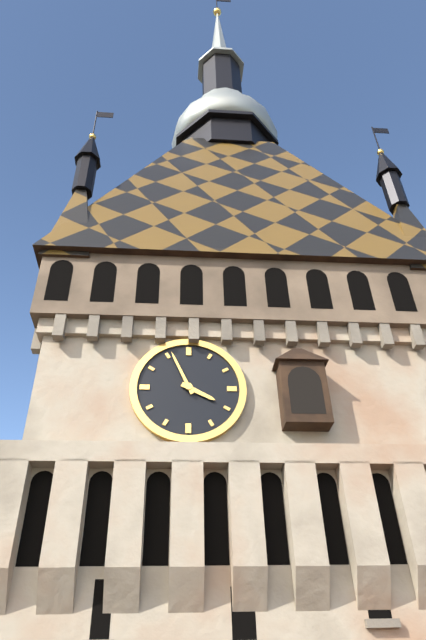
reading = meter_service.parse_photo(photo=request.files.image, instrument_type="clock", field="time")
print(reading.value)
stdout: 3:56
